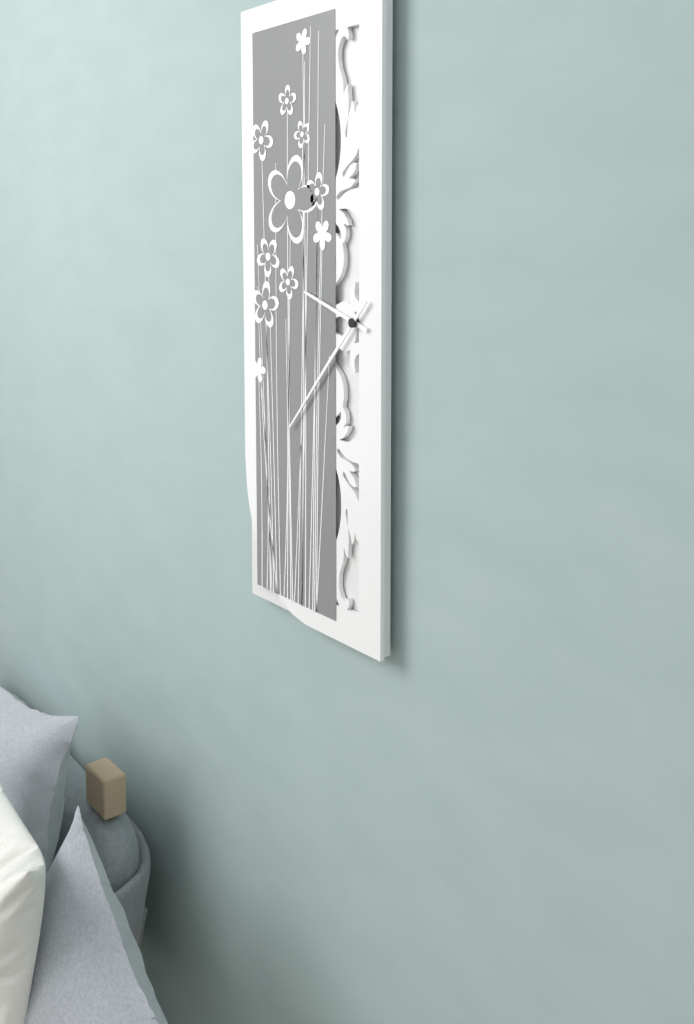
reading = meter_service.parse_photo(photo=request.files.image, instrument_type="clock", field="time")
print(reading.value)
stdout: 9:37
